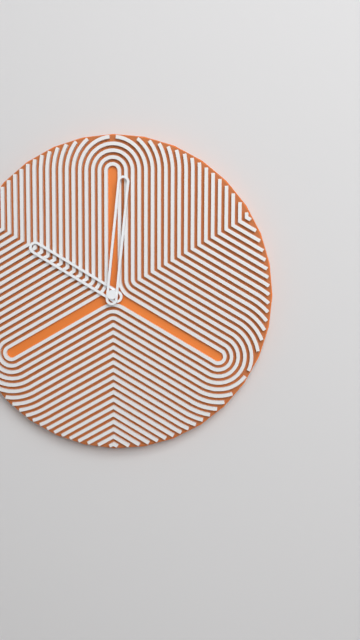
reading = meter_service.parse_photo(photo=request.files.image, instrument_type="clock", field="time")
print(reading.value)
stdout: 10:01
